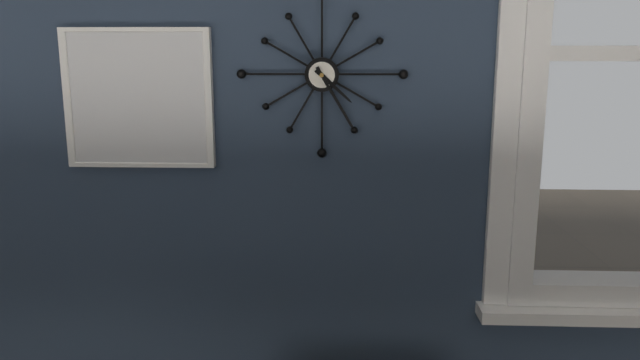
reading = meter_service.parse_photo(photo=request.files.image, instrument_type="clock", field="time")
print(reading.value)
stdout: 4:25
